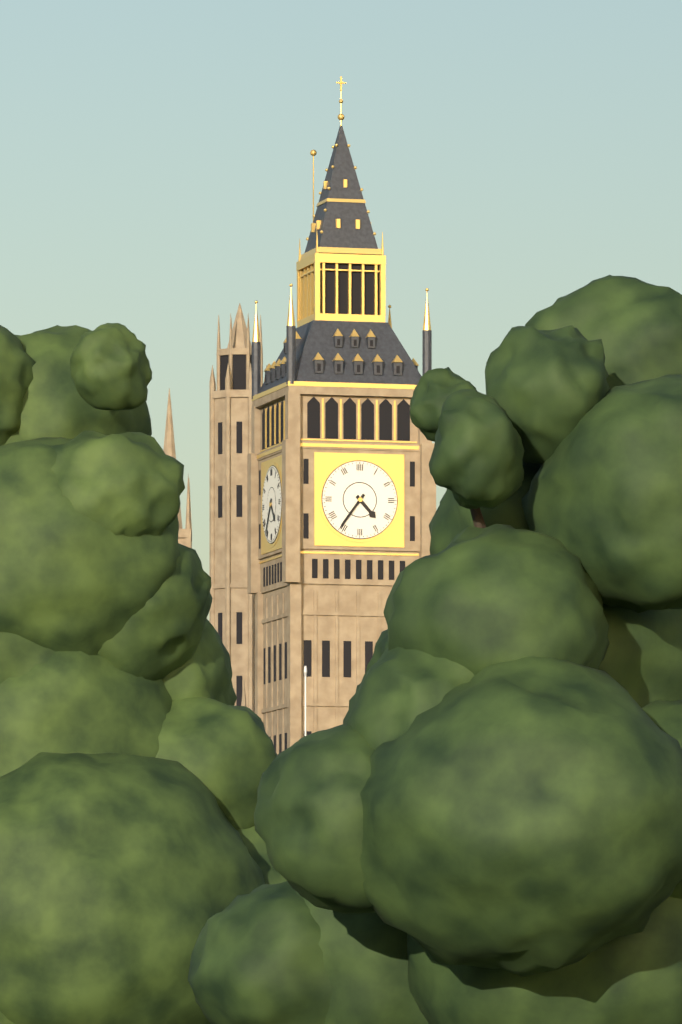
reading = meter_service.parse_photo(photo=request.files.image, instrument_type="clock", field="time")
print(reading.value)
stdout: 4:36
